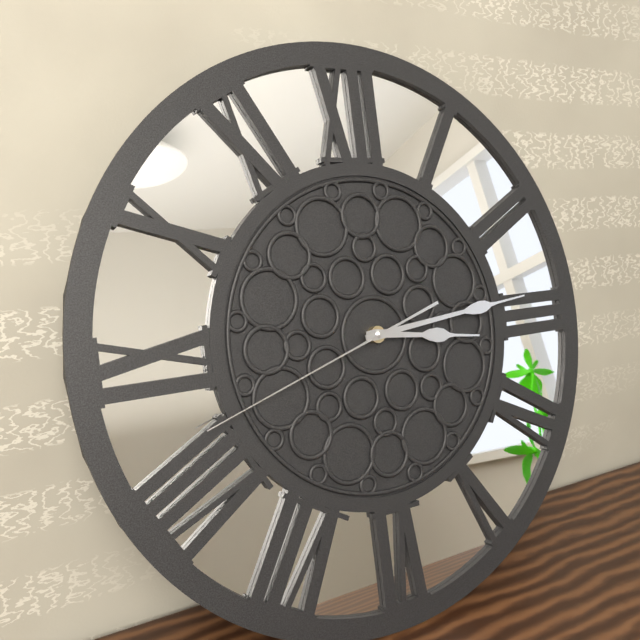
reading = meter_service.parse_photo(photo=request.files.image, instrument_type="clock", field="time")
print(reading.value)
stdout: 3:14:42
